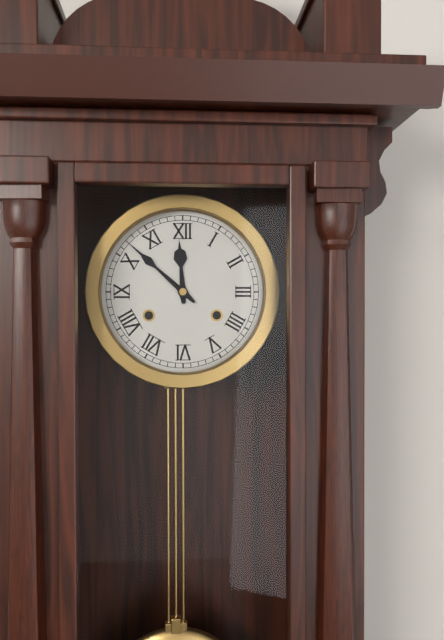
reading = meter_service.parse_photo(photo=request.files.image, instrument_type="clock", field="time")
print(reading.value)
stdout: 11:52
